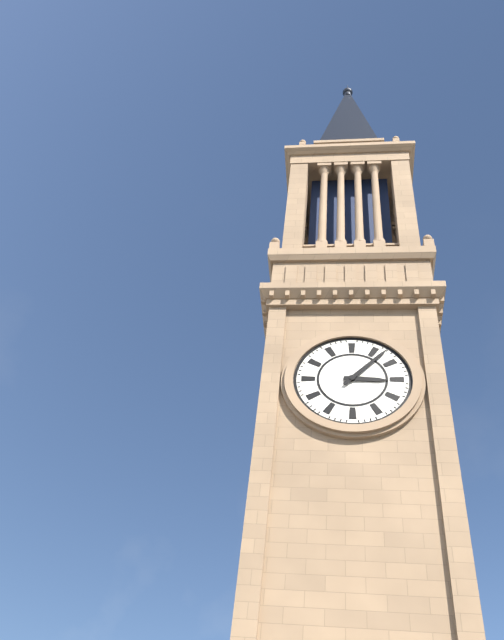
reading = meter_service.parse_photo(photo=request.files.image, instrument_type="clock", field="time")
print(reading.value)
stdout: 3:07
